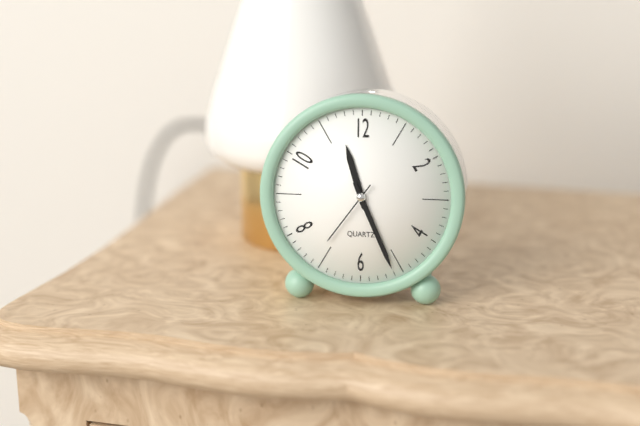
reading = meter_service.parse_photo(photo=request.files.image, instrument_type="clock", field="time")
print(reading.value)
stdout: 11:26:36
